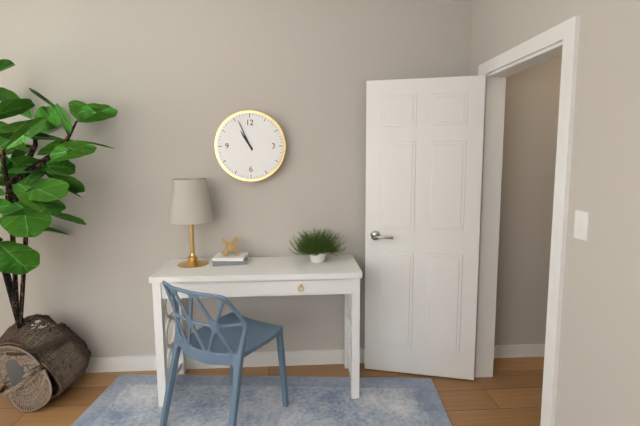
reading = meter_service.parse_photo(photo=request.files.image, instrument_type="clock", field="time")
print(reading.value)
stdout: 10:56
